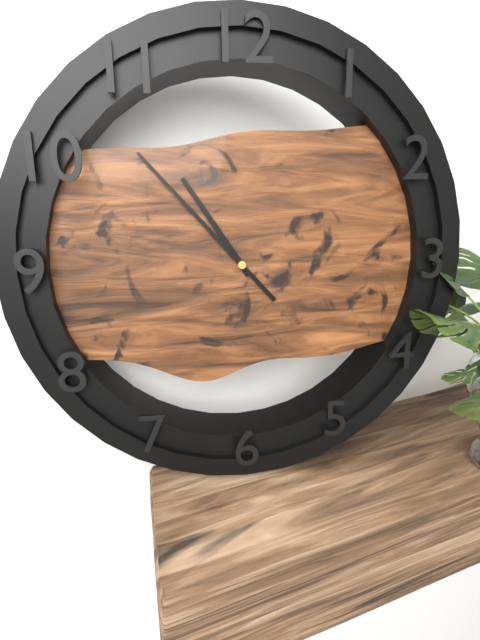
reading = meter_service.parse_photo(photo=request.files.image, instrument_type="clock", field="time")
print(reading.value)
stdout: 10:53
